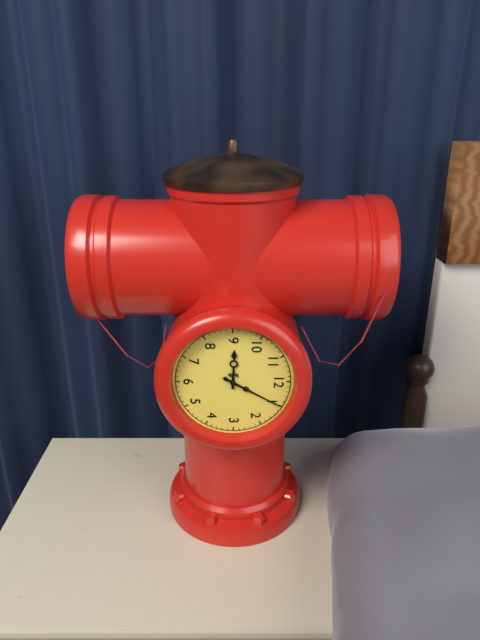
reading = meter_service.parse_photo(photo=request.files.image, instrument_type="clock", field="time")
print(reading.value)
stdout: 9:05
